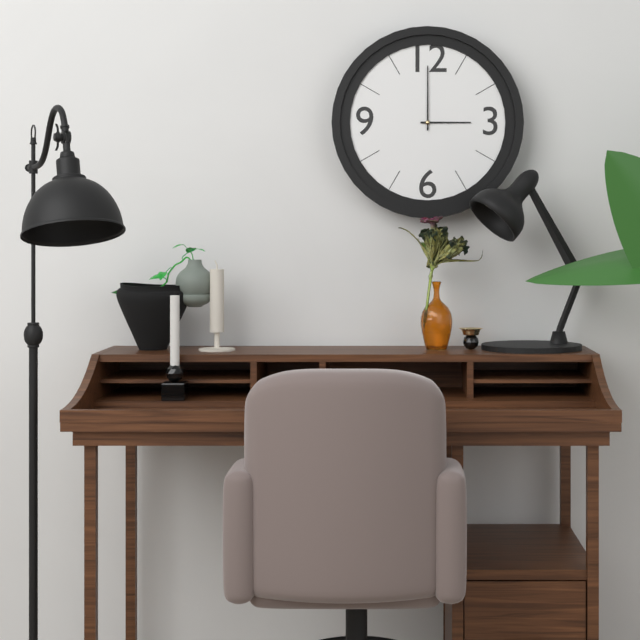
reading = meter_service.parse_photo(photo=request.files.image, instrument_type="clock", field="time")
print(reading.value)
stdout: 3:00
